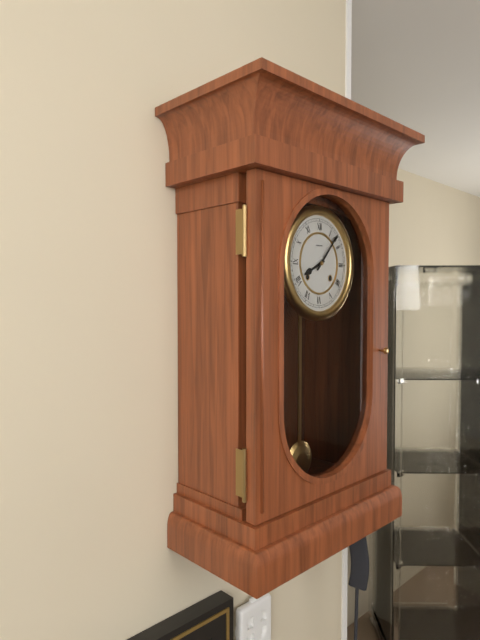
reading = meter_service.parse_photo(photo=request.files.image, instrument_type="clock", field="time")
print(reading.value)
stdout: 8:07
